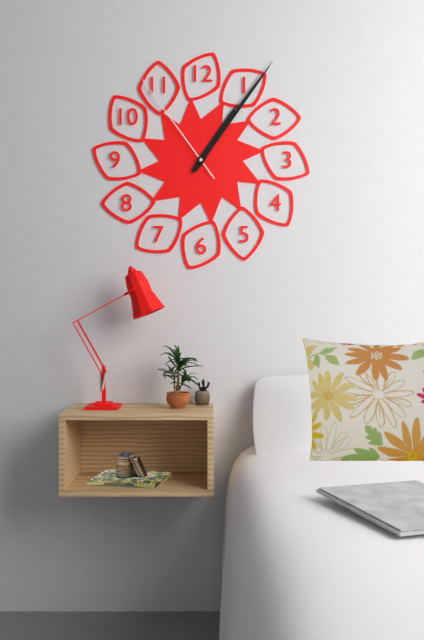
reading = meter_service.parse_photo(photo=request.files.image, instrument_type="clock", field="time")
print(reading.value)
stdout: 1:06:54
